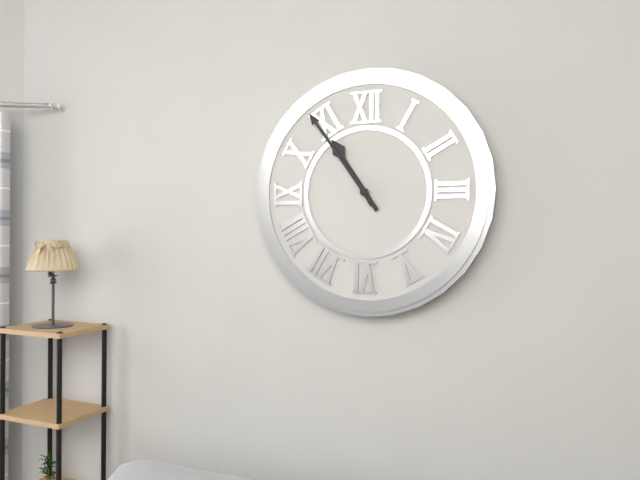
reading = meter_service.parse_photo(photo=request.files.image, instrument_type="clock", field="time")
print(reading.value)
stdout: 10:54
